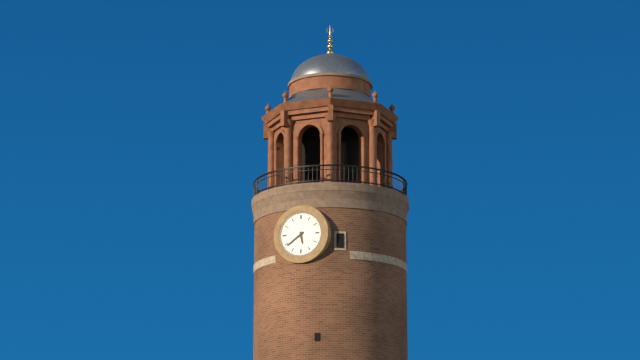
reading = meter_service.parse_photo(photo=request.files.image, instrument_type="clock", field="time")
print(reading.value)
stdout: 5:39
